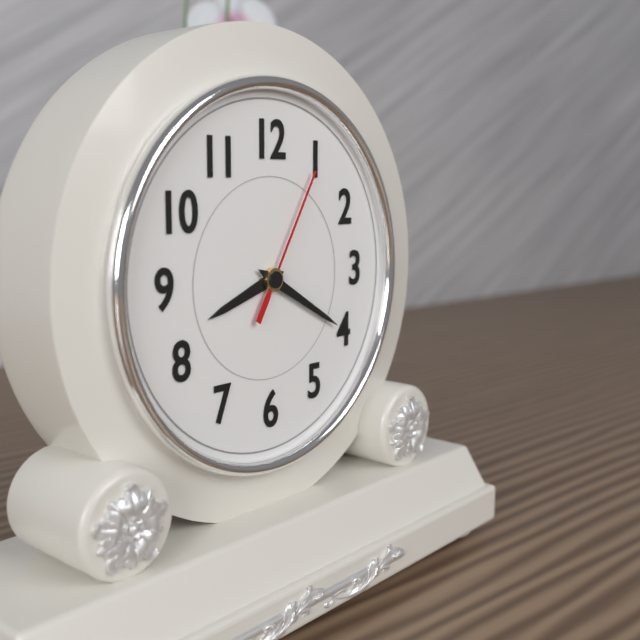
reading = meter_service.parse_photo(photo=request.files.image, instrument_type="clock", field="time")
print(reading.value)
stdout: 8:20:05
